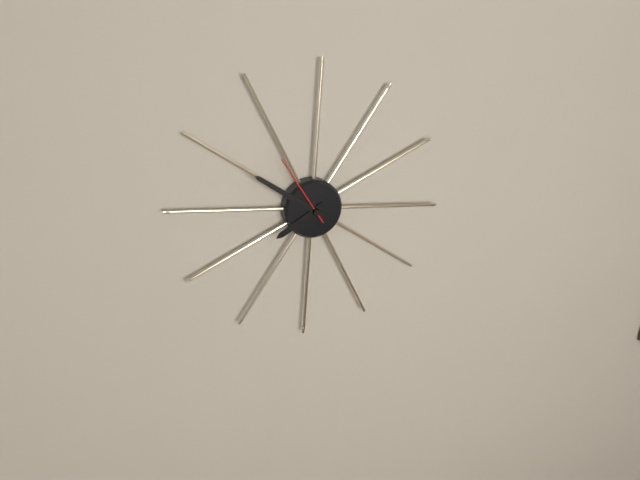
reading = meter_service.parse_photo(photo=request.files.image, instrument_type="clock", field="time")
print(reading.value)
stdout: 7:50:54
